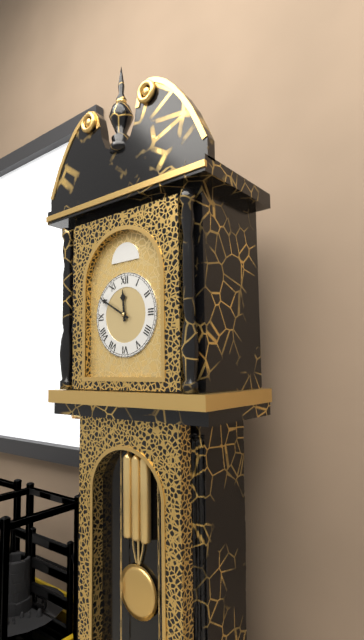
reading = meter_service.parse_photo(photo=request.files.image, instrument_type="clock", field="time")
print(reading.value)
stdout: 11:50
